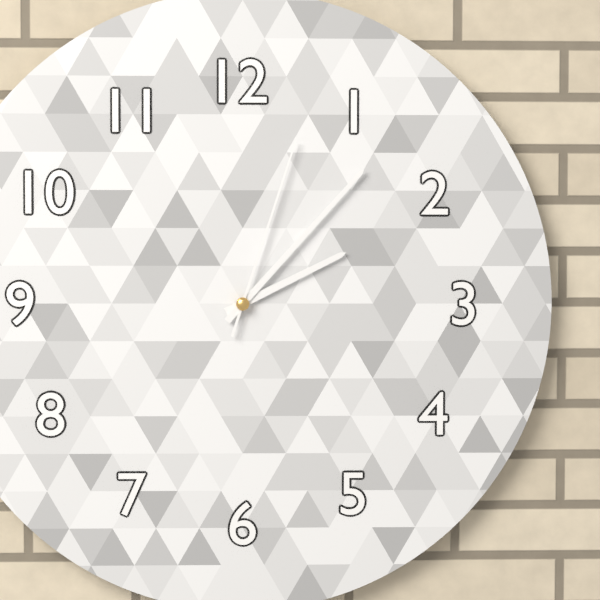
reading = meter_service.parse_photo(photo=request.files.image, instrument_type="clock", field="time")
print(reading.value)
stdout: 2:07:03
